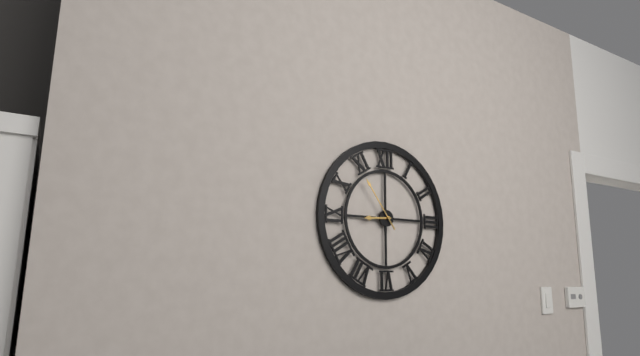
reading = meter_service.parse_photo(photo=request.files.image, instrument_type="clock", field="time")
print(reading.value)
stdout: 8:54
